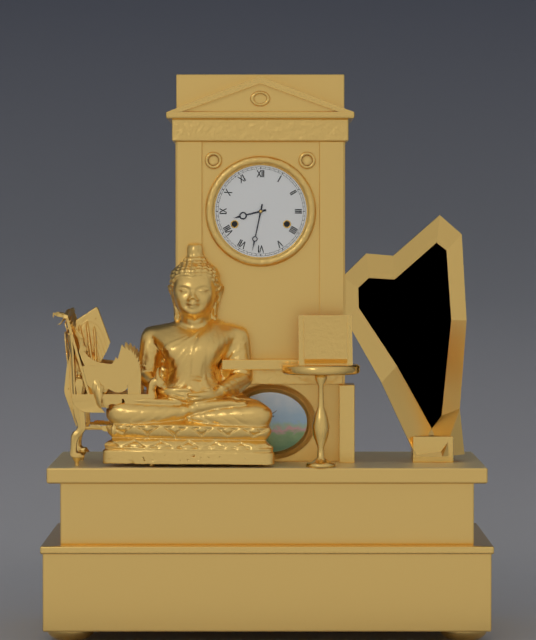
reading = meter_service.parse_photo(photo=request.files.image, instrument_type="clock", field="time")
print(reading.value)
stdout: 8:32
